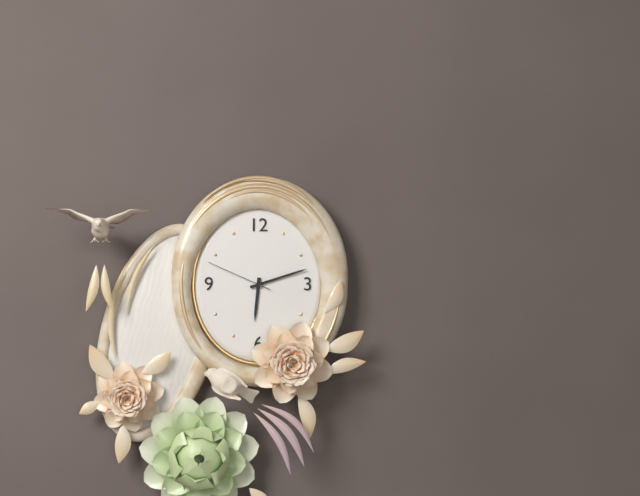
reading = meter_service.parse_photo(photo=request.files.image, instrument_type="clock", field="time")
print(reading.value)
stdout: 6:12:49
